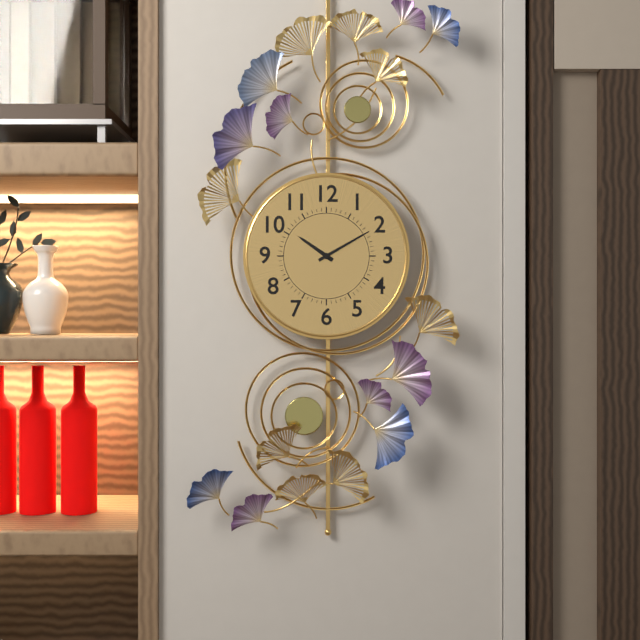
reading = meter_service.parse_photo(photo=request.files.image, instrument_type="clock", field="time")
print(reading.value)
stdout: 10:10
